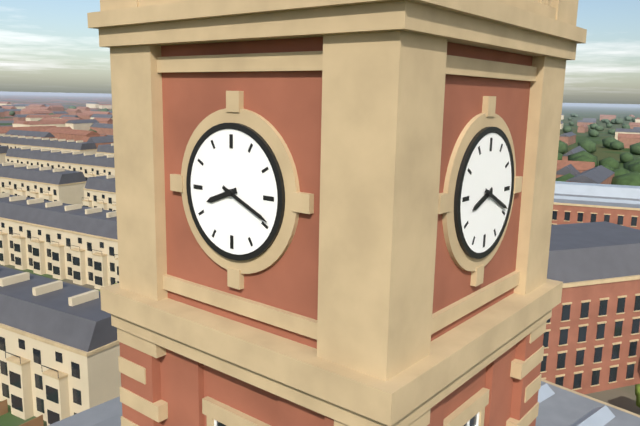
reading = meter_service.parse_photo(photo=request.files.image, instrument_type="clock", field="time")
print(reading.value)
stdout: 8:19
